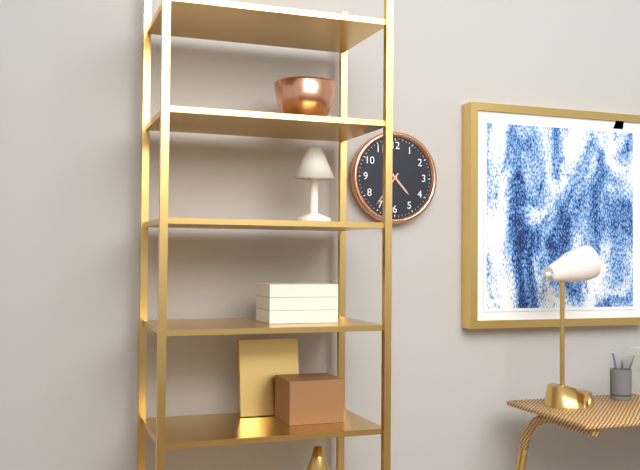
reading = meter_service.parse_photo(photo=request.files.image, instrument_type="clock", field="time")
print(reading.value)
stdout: 4:36
